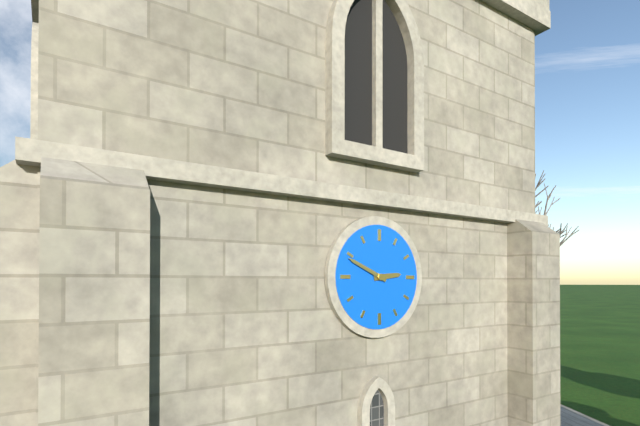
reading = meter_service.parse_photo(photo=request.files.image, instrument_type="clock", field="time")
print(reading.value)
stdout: 2:49
